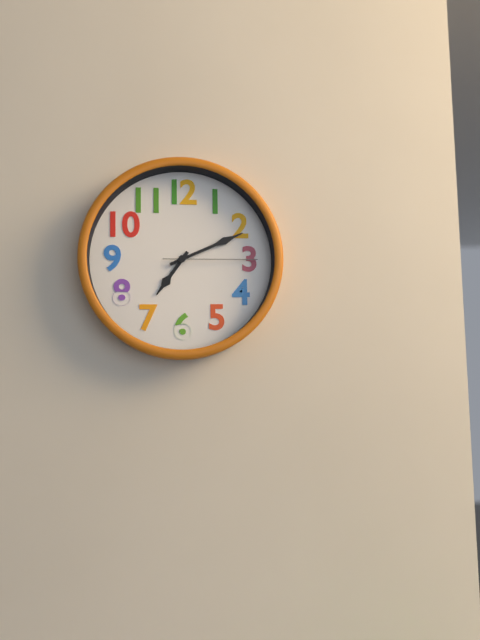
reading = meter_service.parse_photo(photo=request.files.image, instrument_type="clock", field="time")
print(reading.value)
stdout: 7:11:15
